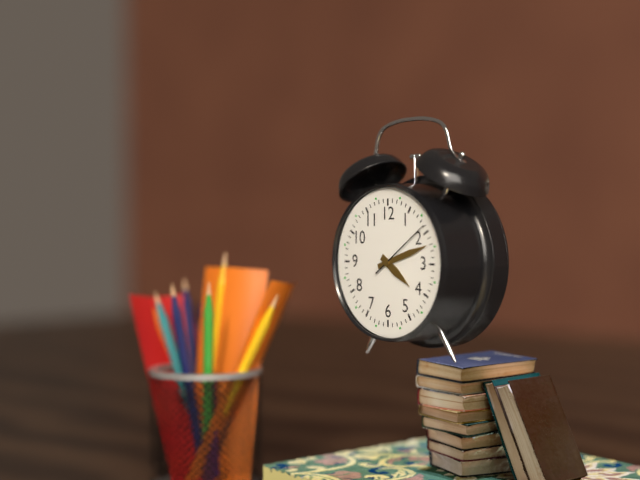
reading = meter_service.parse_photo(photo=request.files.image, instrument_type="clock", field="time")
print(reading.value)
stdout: 4:12:09
